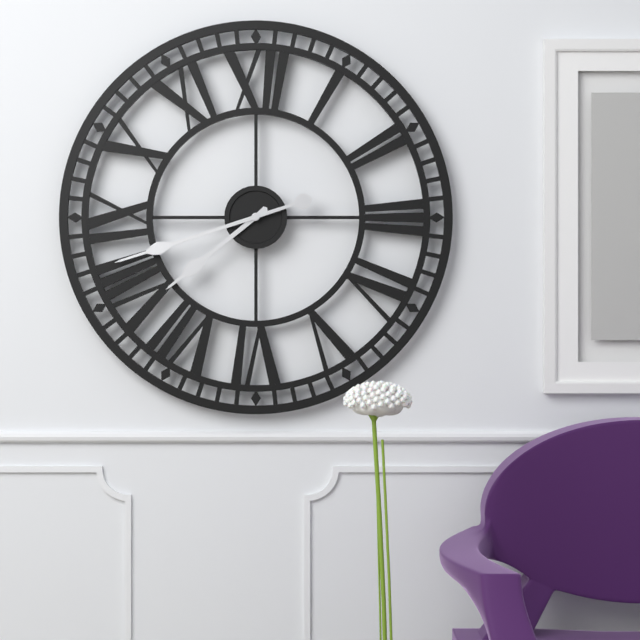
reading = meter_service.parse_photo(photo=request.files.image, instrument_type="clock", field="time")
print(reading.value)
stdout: 7:42
